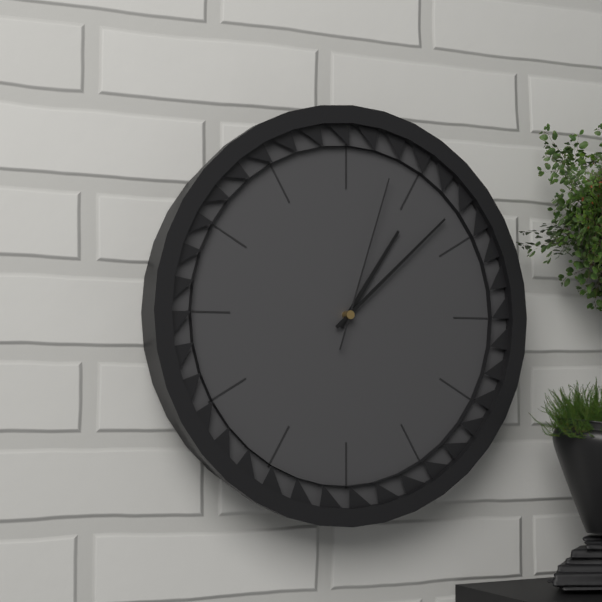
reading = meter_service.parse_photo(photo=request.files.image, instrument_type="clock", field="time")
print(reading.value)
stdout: 1:08:03
